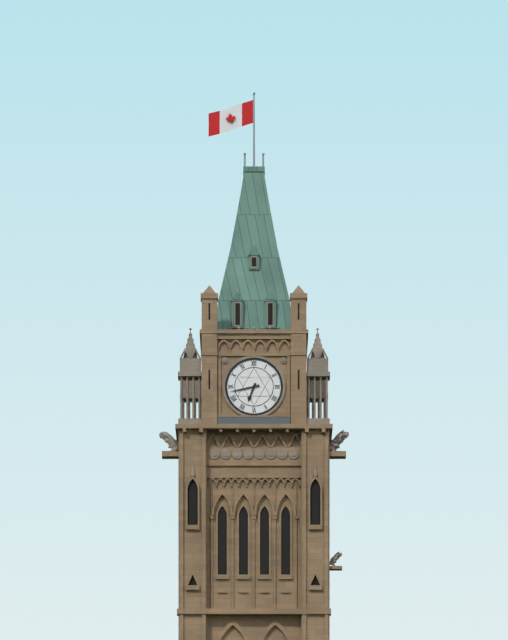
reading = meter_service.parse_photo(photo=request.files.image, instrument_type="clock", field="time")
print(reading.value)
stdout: 6:43
